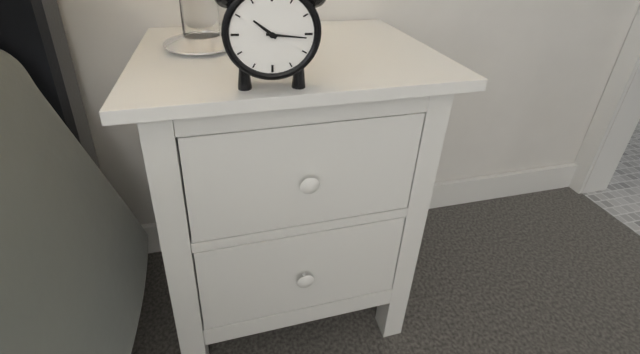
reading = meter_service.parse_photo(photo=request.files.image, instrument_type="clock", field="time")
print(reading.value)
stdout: 10:16
